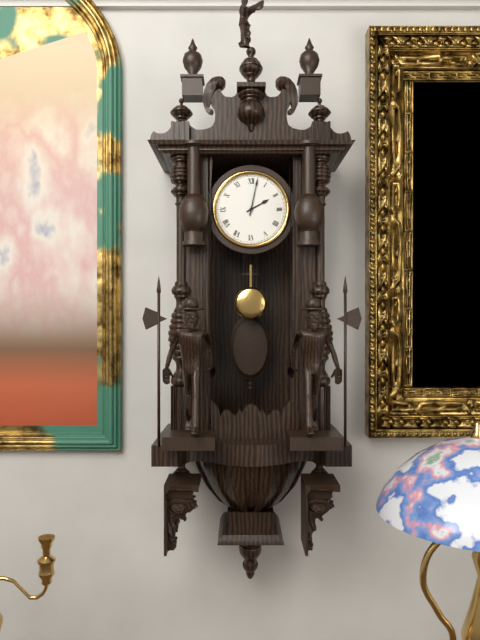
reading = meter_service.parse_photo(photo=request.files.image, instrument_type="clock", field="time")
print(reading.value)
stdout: 2:02
